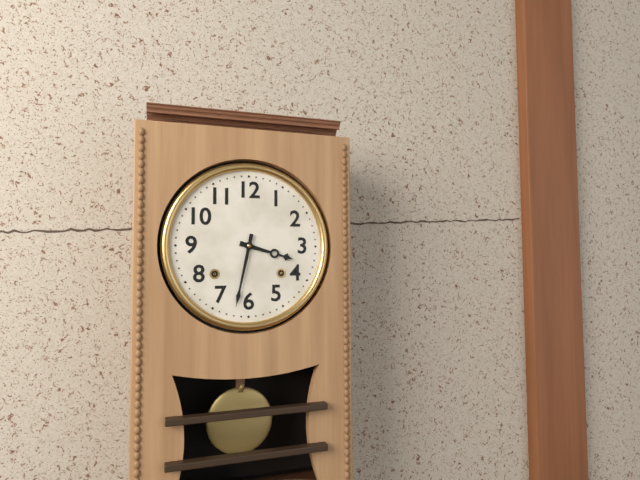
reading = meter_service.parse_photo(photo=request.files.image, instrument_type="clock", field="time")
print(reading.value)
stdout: 3:32
